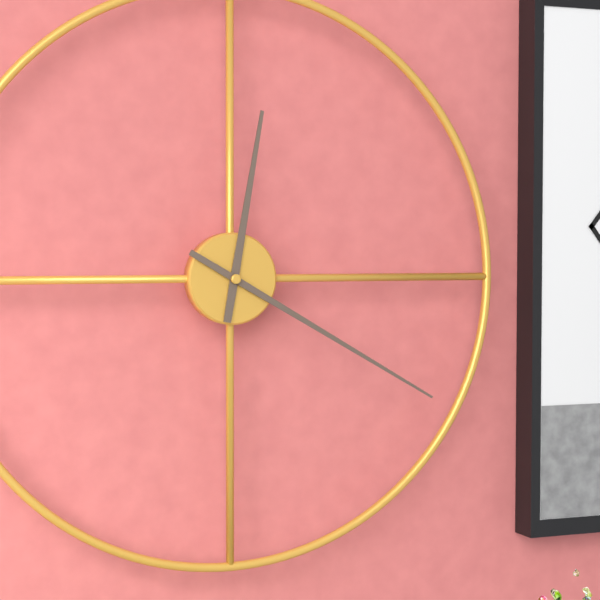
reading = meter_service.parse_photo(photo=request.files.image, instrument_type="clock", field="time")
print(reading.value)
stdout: 12:20
